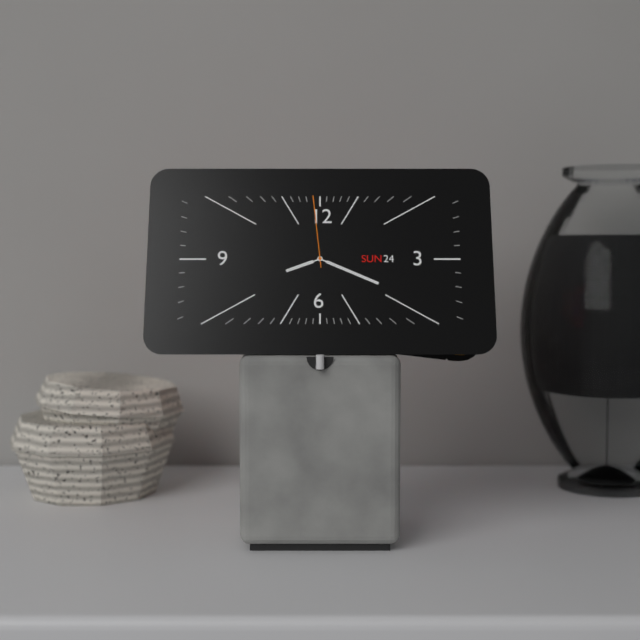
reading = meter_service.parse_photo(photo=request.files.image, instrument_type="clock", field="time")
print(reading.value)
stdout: 8:19:59
